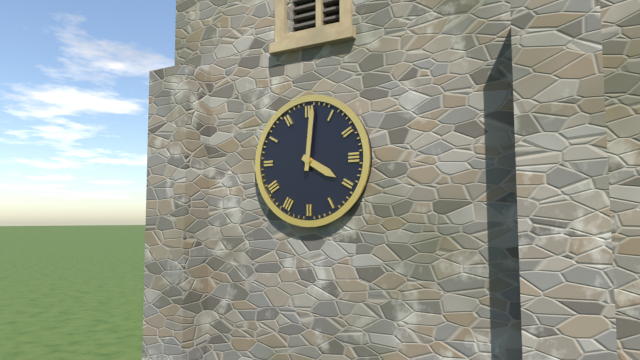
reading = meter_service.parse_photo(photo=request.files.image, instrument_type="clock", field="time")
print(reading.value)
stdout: 4:01
